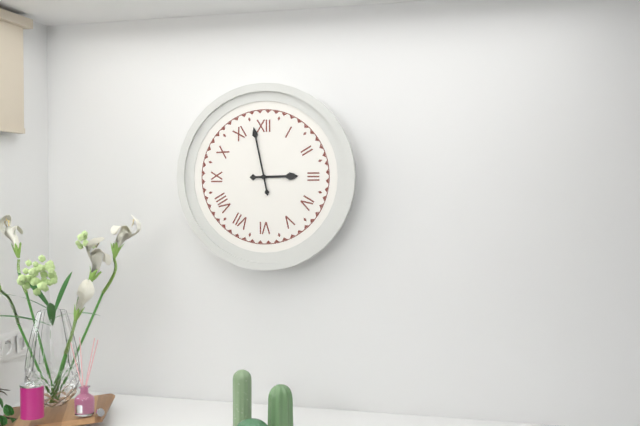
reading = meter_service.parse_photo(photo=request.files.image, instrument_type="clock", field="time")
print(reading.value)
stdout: 2:58
